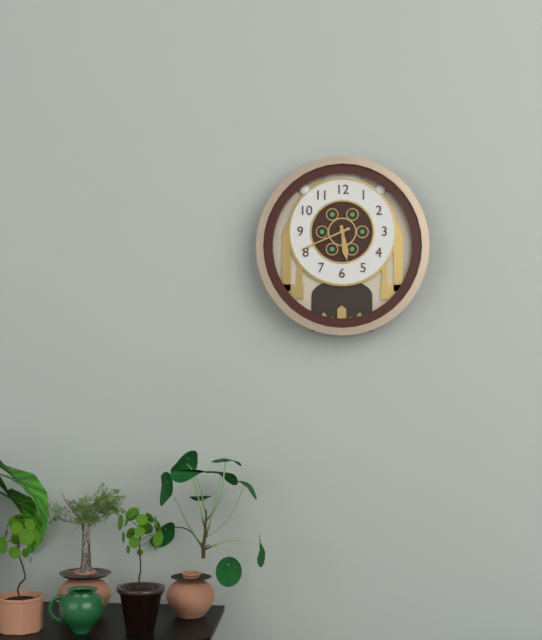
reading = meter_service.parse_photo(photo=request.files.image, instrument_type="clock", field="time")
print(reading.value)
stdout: 5:41
